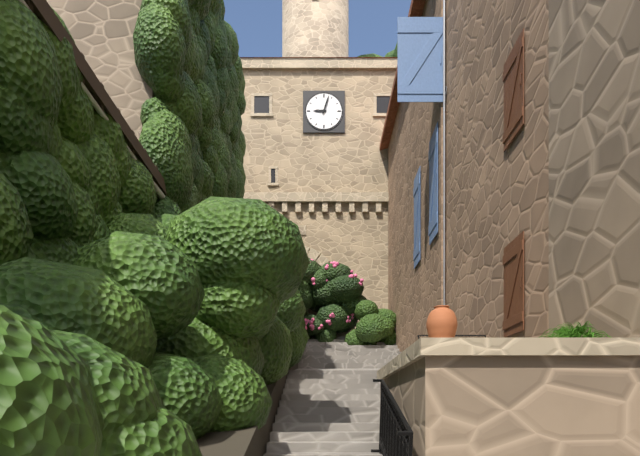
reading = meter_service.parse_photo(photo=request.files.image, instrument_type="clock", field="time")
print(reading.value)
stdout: 9:03
